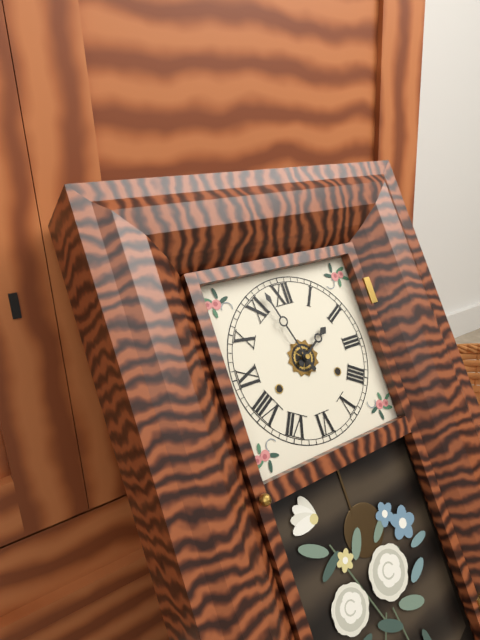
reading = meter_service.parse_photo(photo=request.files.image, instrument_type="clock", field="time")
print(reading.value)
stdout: 1:57
